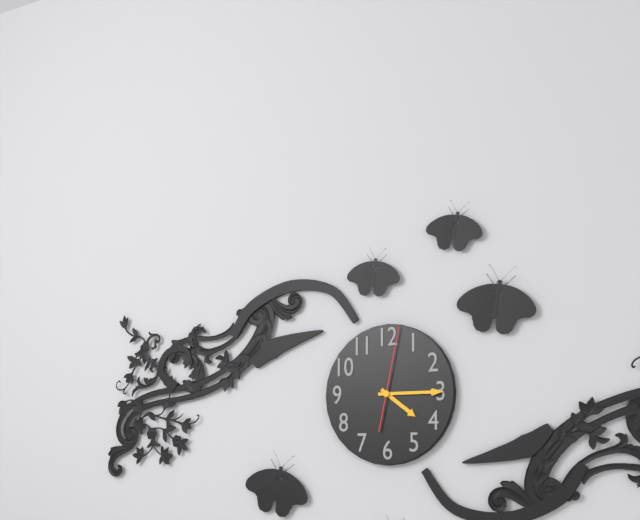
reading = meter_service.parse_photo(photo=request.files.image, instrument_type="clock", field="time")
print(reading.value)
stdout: 4:15:02
